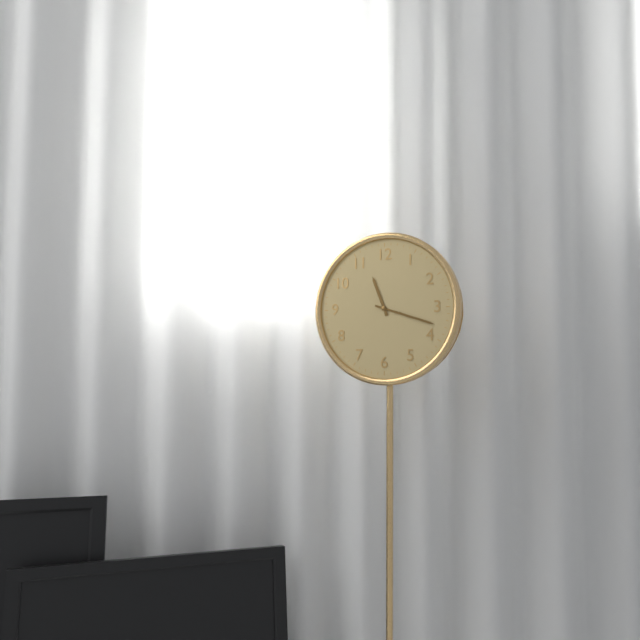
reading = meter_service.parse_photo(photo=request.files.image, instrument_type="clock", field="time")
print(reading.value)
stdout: 11:18
